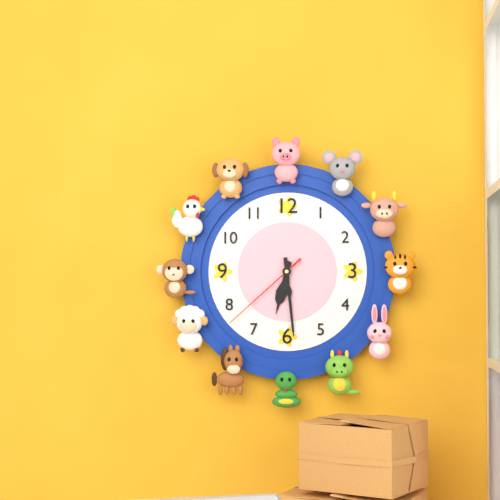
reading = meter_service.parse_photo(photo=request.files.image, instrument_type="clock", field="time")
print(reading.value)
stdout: 6:29:38
